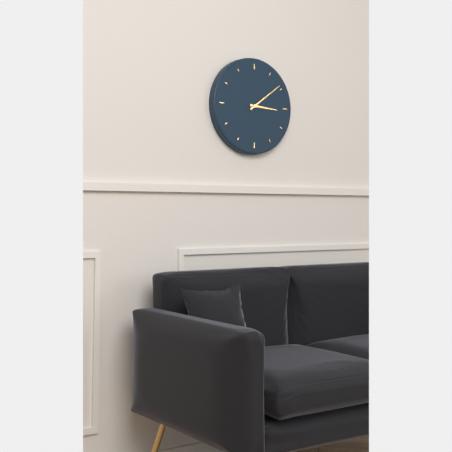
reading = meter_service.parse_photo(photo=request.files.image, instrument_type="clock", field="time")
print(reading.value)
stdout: 3:09
